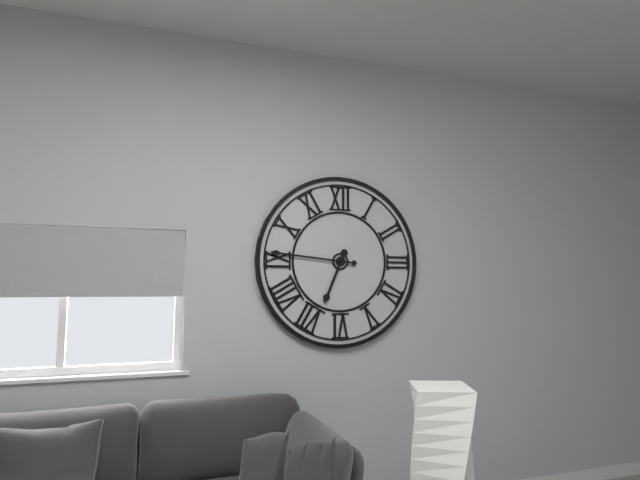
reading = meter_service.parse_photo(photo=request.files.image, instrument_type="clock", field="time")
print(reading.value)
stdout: 6:46
